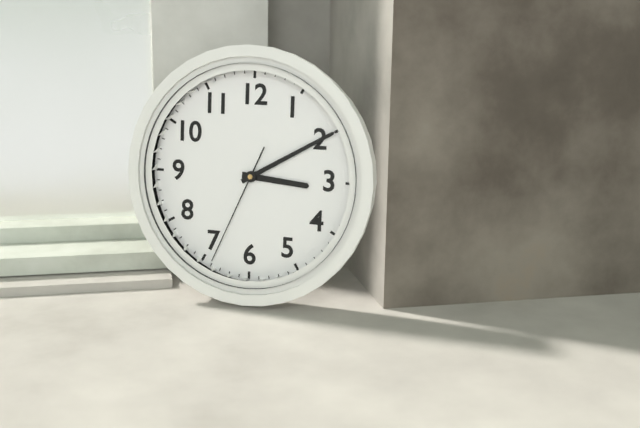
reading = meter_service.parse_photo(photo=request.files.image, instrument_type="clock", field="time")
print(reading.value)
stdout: 3:10:34
